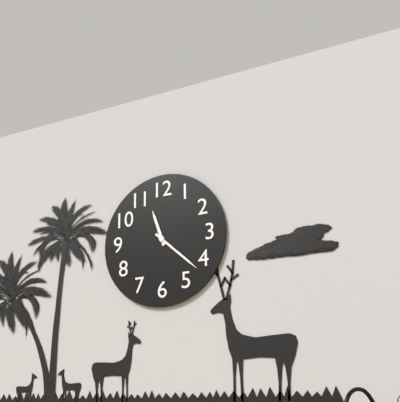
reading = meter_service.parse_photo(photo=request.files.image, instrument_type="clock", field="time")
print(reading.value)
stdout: 11:22
